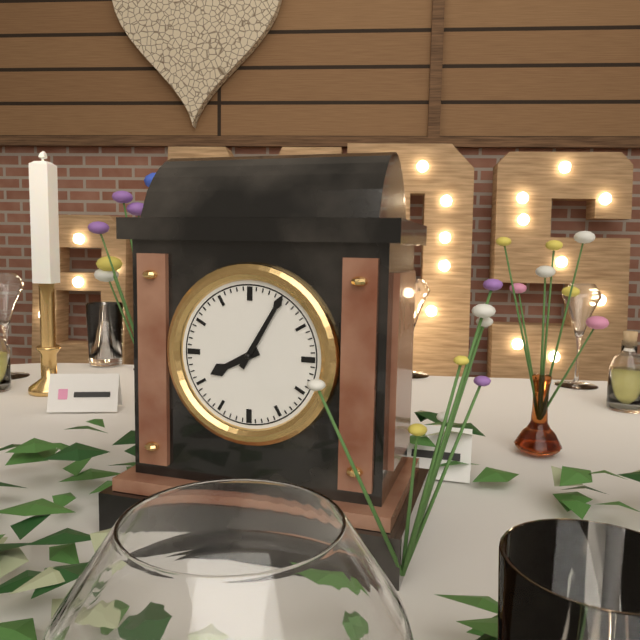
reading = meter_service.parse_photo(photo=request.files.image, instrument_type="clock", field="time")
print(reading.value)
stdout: 8:05
